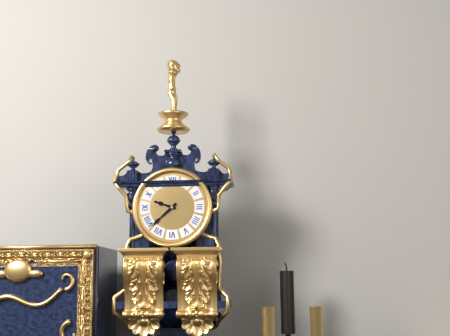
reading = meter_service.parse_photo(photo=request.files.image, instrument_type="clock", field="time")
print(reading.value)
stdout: 9:38
